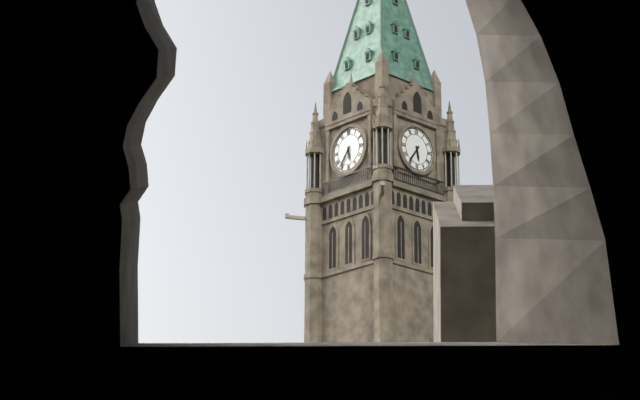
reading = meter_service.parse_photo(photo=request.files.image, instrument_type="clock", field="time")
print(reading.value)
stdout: 5:36
